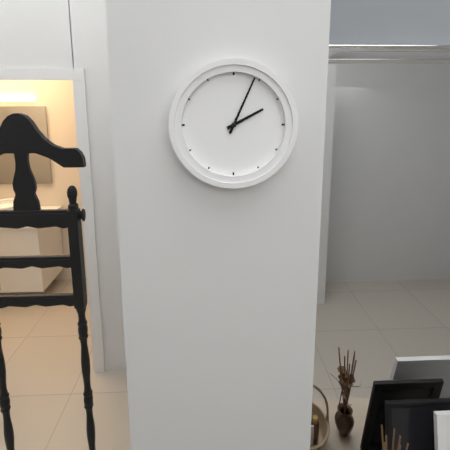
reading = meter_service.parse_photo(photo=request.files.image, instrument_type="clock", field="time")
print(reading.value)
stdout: 2:04
